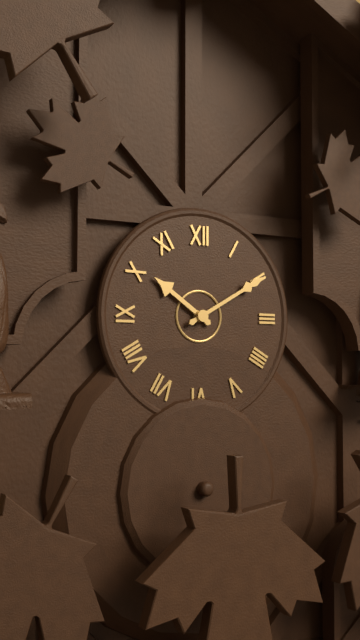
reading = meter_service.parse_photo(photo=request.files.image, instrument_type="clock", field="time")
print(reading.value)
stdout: 10:10
